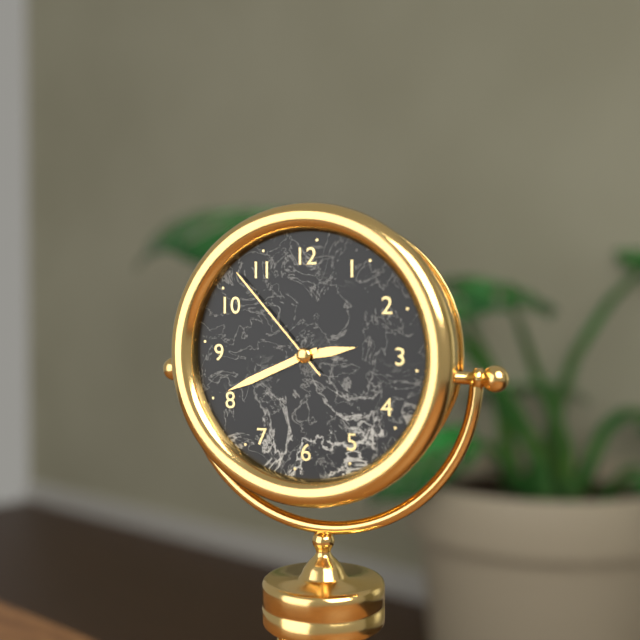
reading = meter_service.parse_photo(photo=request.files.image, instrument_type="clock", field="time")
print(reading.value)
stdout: 2:41:53
